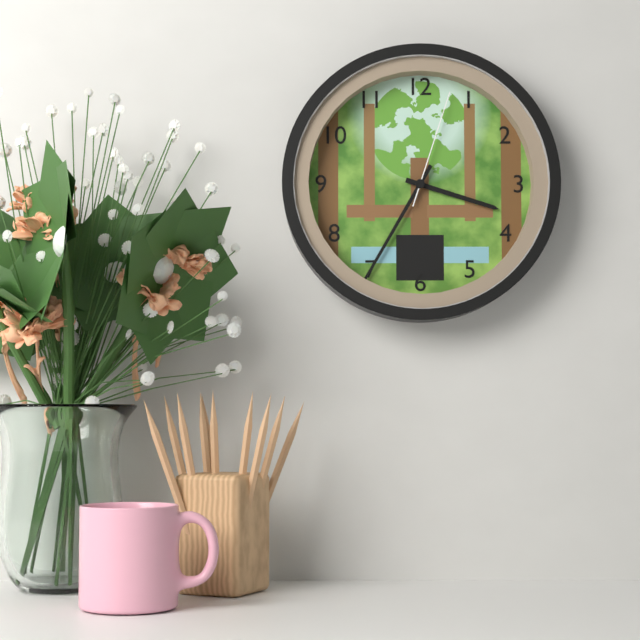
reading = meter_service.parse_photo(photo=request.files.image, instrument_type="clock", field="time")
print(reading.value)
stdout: 3:35:03
